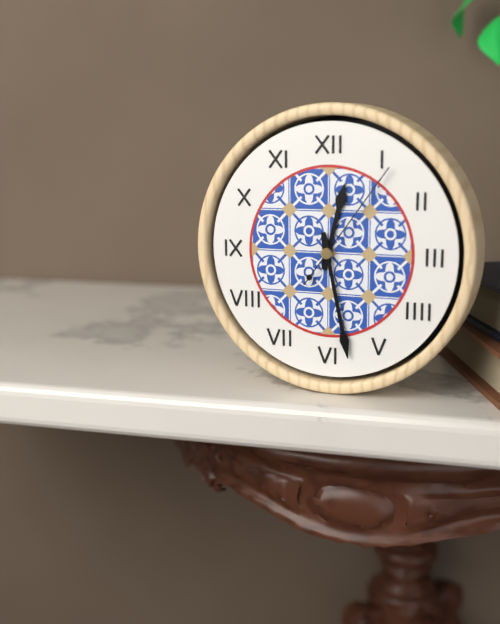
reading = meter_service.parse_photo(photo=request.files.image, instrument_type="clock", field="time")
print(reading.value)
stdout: 12:28:06
